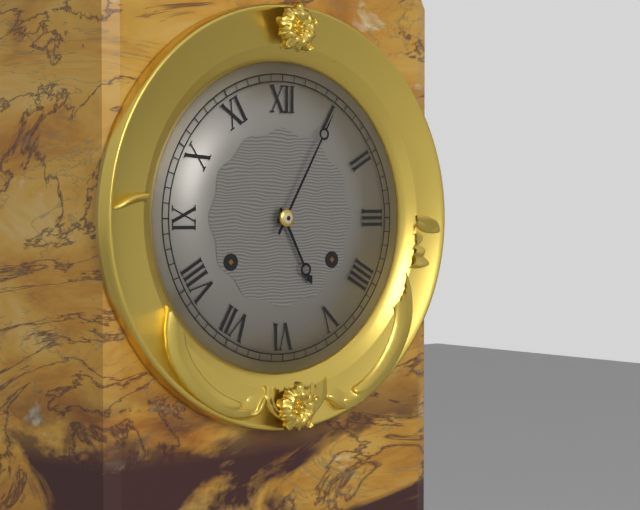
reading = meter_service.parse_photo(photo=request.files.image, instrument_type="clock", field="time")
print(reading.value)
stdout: 5:05
